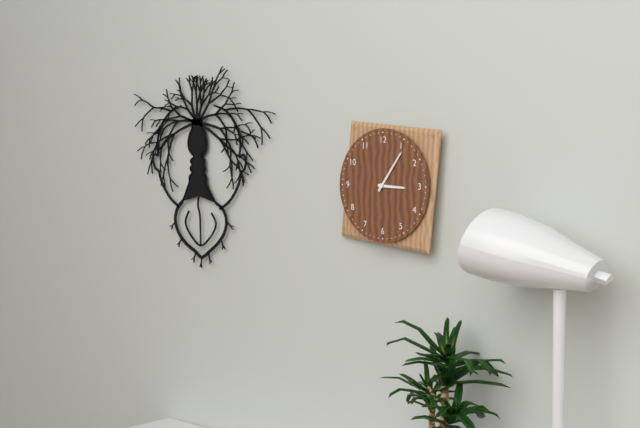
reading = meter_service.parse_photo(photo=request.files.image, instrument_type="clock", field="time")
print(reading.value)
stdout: 3:06
